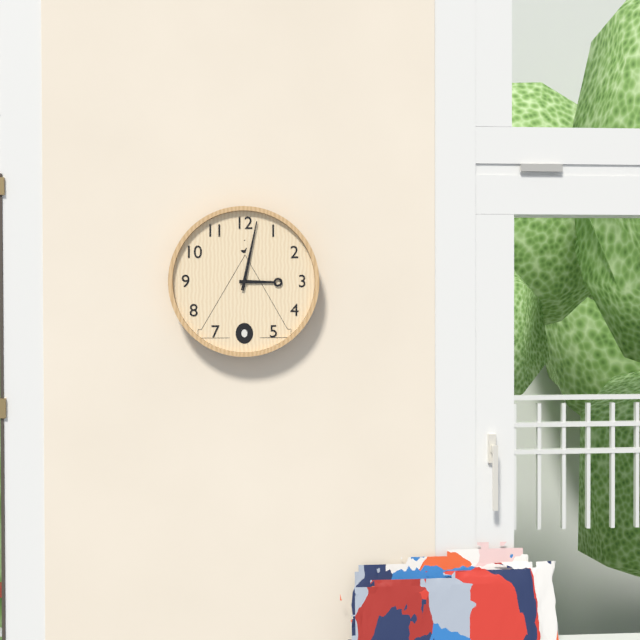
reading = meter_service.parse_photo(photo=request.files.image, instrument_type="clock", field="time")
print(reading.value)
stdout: 3:02
